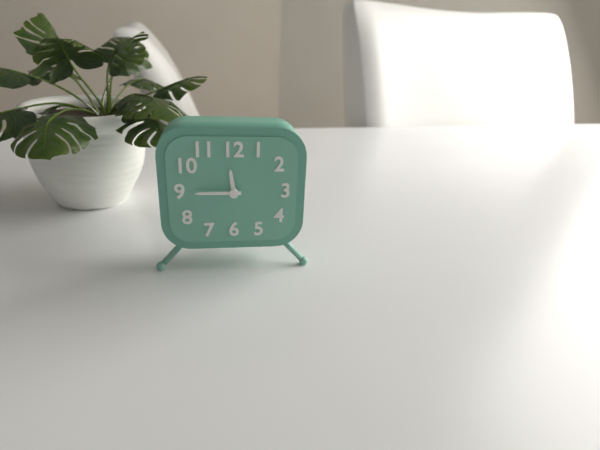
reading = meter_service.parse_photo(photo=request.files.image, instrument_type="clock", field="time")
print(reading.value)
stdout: 11:45
